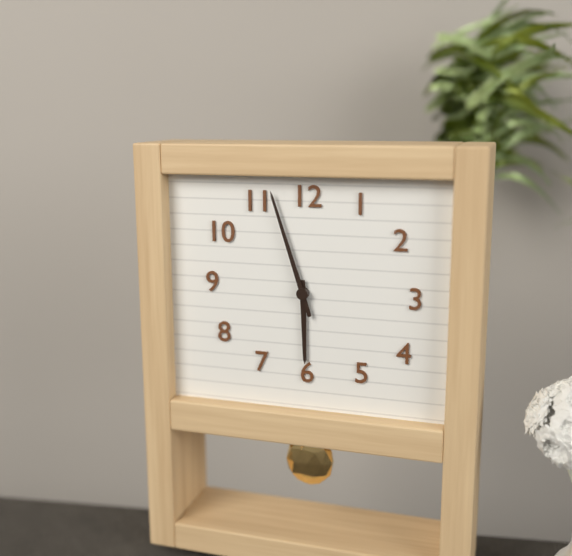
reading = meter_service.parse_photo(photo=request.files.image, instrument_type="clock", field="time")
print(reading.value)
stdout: 5:57
